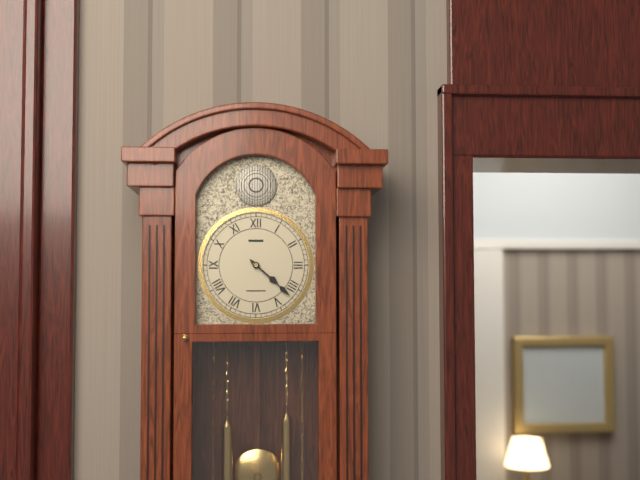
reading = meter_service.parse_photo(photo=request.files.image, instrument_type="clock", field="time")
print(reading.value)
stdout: 4:22
